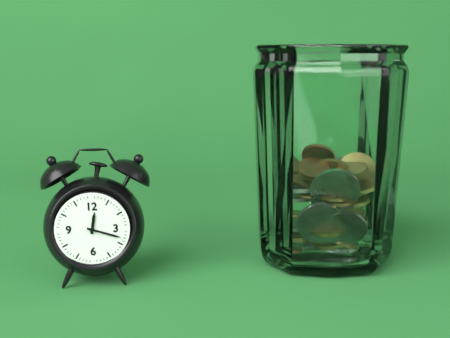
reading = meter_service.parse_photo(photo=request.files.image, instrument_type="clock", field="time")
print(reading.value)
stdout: 12:18
